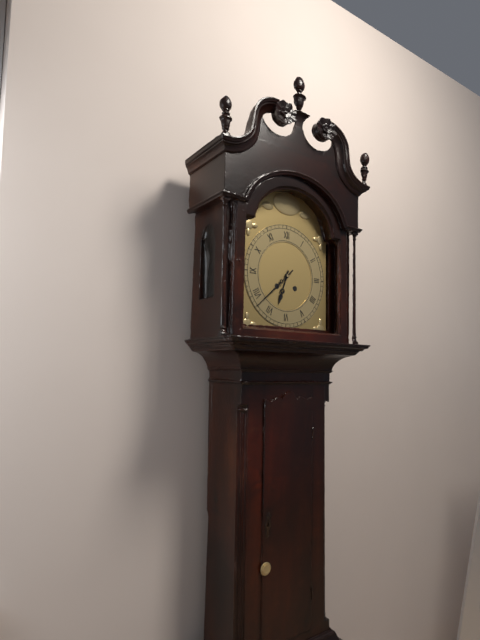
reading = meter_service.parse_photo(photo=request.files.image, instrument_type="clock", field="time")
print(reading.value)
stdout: 6:38
